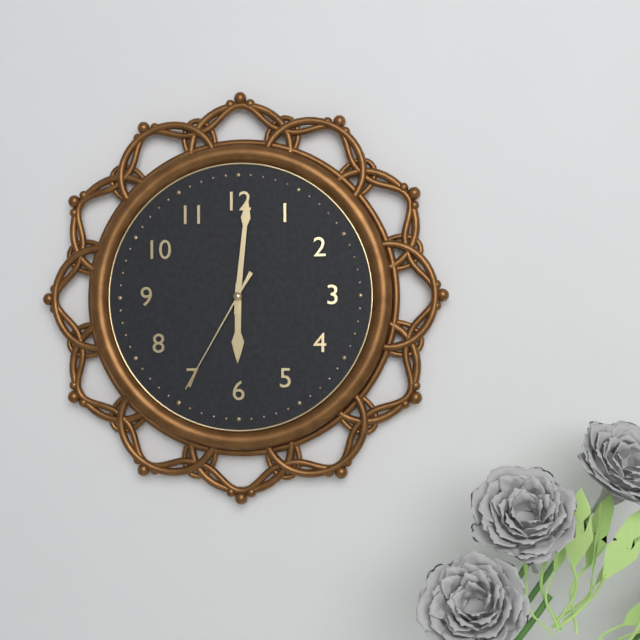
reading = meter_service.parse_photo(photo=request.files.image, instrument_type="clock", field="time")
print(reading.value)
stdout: 6:01:35
